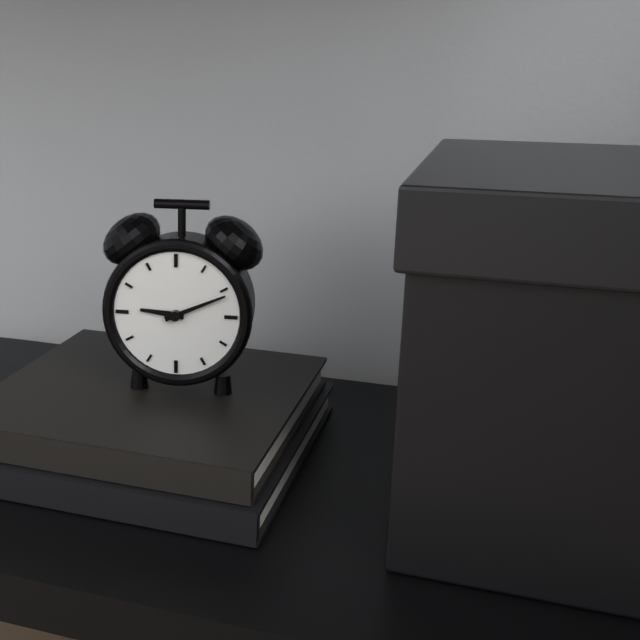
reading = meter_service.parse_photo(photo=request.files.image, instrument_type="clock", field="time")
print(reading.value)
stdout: 9:11
